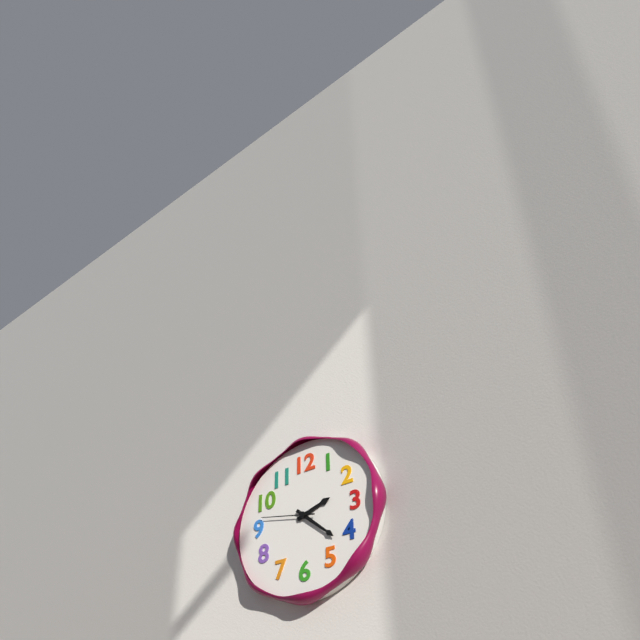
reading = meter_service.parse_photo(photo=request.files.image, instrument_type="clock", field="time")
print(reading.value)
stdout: 2:22:47
